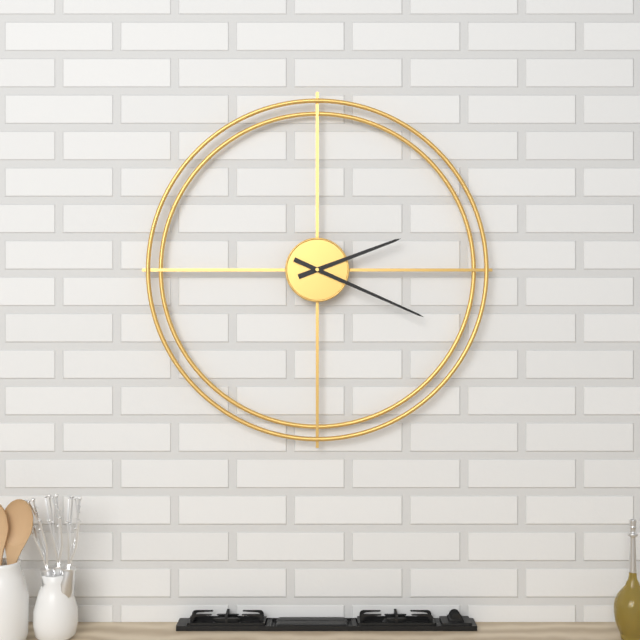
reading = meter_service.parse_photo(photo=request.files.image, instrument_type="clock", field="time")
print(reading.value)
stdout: 2:19
